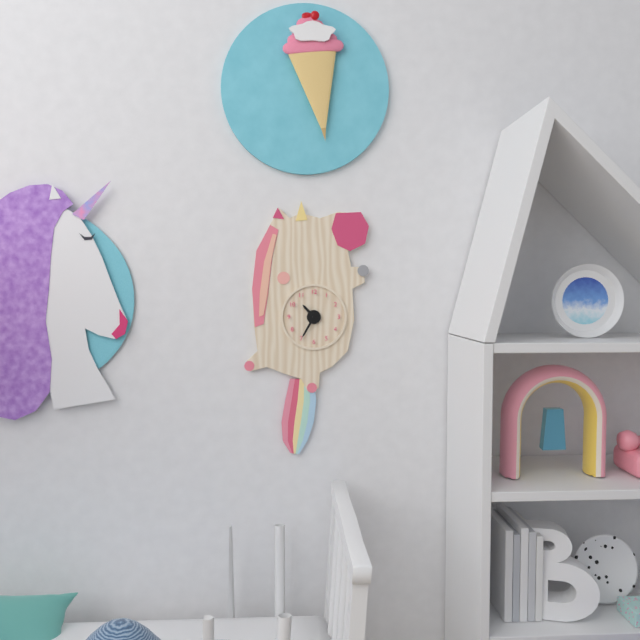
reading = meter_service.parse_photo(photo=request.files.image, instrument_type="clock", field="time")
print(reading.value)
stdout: 10:35
